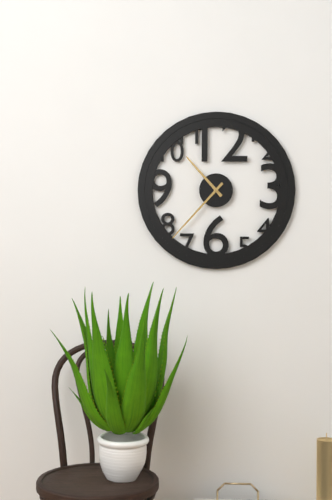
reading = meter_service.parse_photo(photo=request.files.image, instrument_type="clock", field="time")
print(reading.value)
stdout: 10:37
